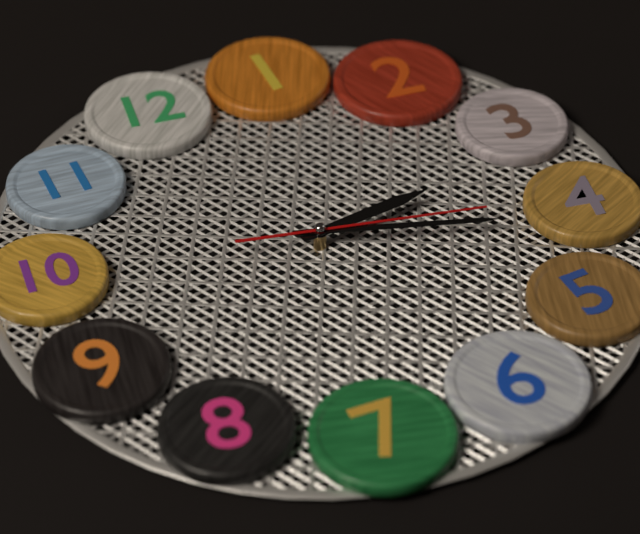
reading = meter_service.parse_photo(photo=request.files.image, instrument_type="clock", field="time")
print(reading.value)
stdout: 3:21:20
